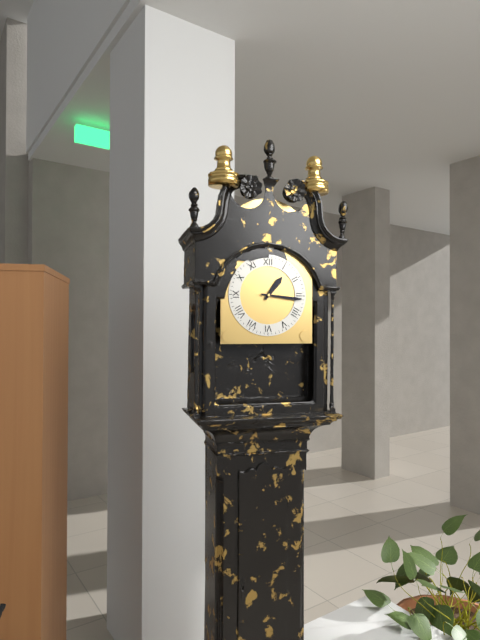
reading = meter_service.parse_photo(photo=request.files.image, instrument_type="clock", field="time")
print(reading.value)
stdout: 1:16
